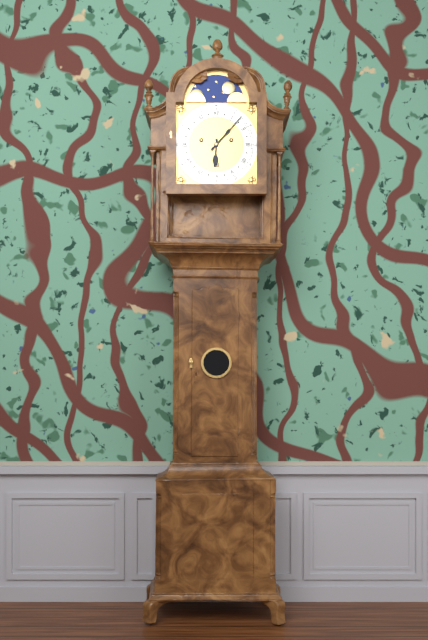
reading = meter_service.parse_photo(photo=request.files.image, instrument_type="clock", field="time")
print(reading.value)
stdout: 6:07
